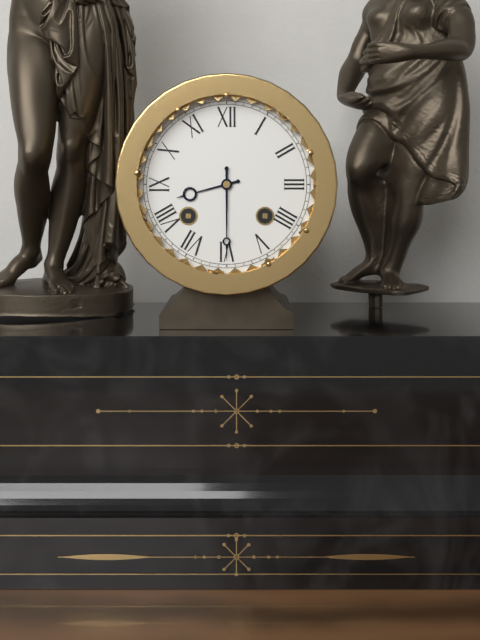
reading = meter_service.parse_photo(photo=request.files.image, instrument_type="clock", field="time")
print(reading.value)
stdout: 8:30
